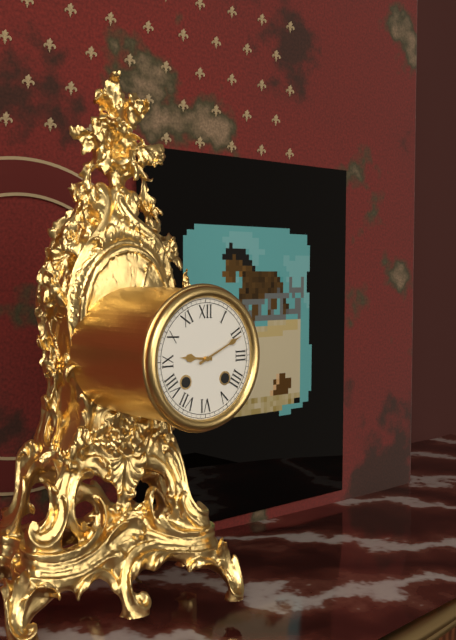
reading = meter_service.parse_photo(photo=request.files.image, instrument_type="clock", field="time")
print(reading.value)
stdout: 9:11
